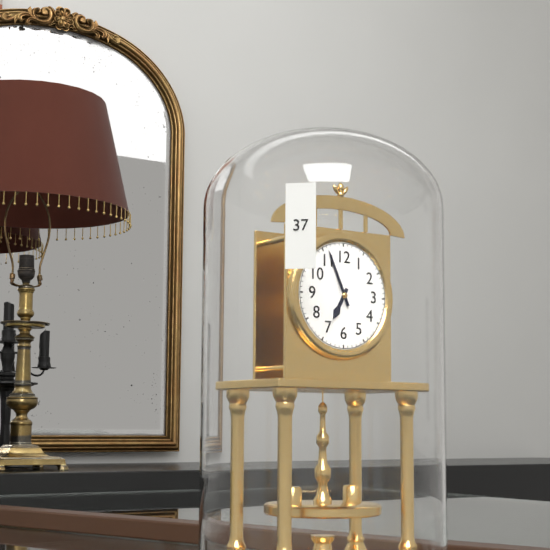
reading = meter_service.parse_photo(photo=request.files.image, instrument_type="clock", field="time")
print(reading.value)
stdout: 6:56
